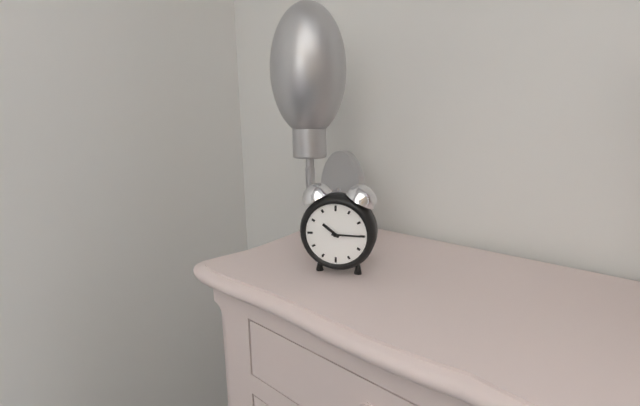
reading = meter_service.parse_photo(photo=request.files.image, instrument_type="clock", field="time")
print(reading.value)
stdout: 10:15
